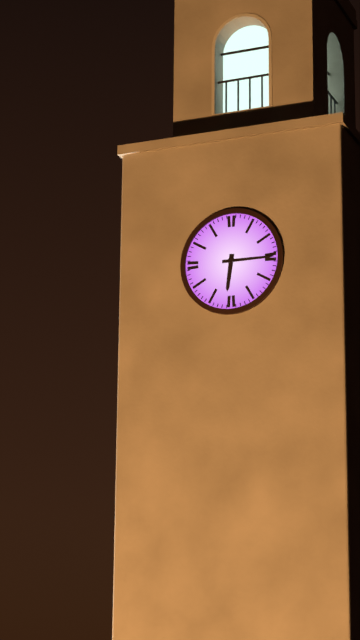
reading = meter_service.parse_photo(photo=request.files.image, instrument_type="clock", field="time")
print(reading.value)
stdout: 6:15
